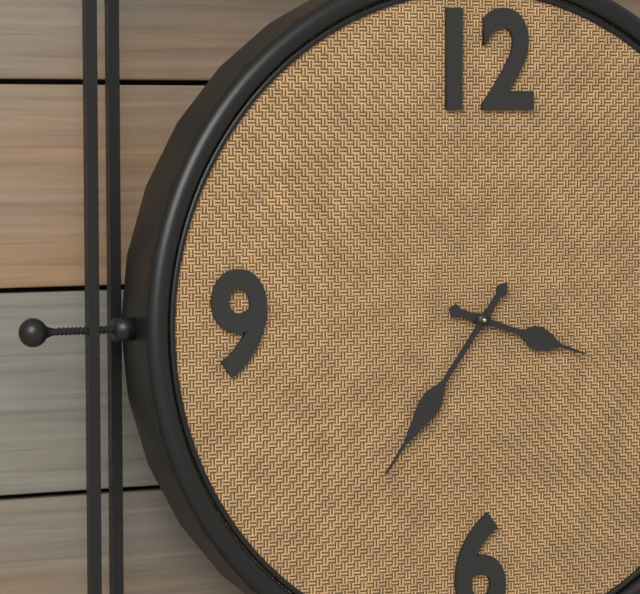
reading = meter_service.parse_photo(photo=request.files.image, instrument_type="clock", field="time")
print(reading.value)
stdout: 3:36
